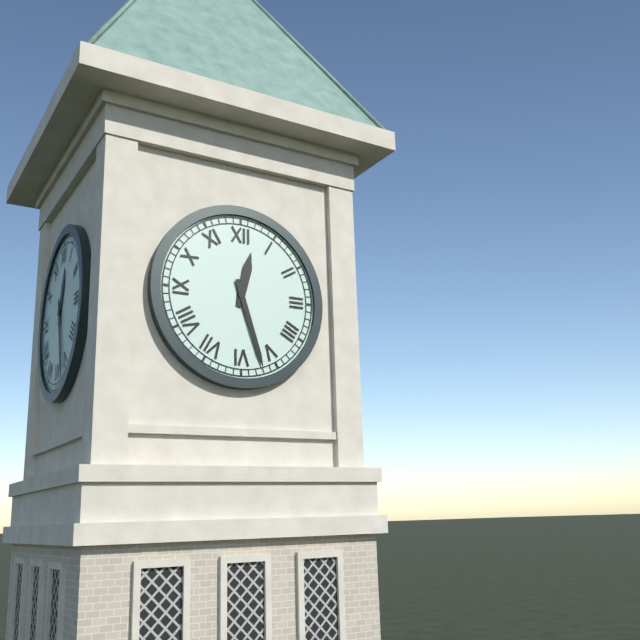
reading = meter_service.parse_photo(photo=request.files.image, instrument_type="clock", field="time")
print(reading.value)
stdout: 12:27
